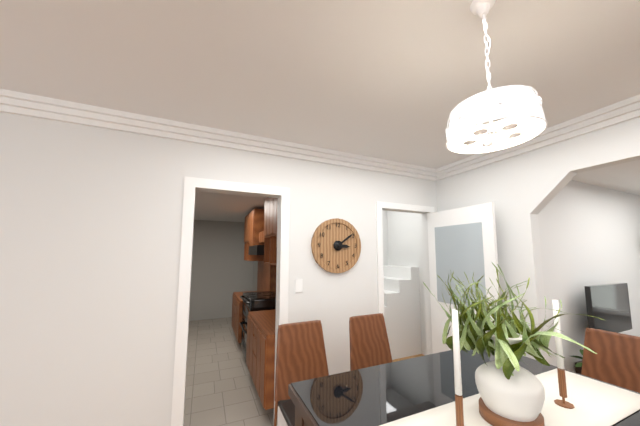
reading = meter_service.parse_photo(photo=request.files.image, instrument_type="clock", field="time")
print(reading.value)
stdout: 3:09
